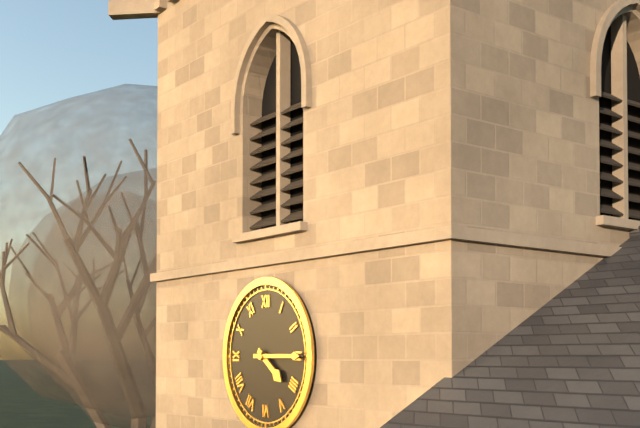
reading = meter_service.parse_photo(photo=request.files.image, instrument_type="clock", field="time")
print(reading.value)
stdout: 4:15
